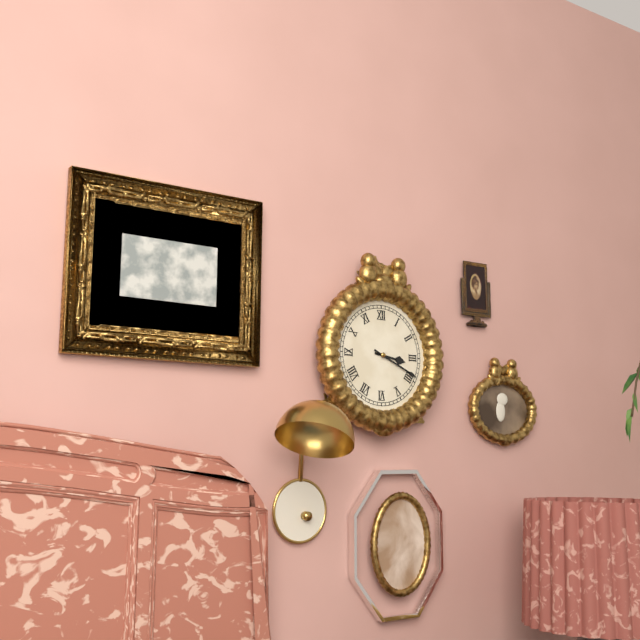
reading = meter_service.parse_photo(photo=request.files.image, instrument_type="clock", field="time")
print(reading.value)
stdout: 3:19
